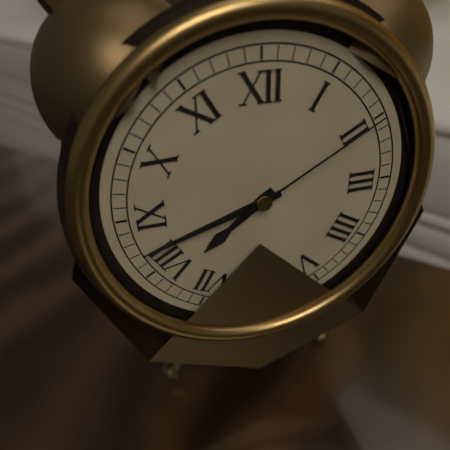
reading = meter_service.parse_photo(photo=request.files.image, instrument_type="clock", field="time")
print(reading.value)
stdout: 7:42:10
